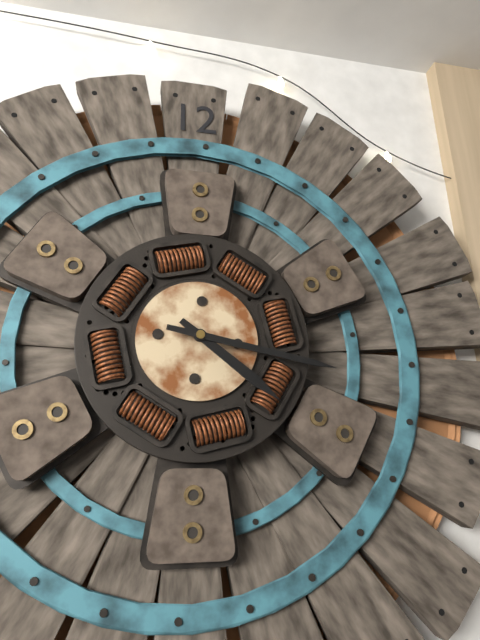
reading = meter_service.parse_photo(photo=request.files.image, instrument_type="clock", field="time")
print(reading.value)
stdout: 4:17
